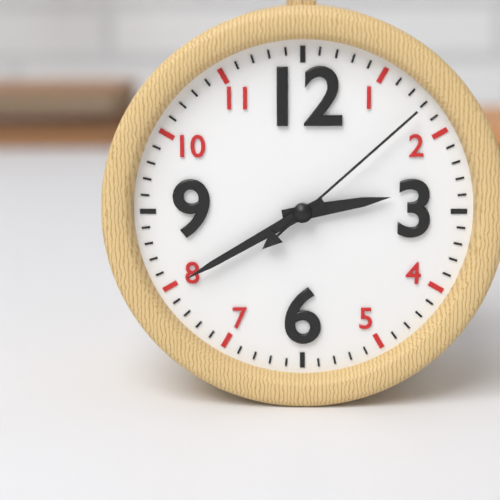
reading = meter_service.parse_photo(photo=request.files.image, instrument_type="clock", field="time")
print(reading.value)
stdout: 2:40:08
